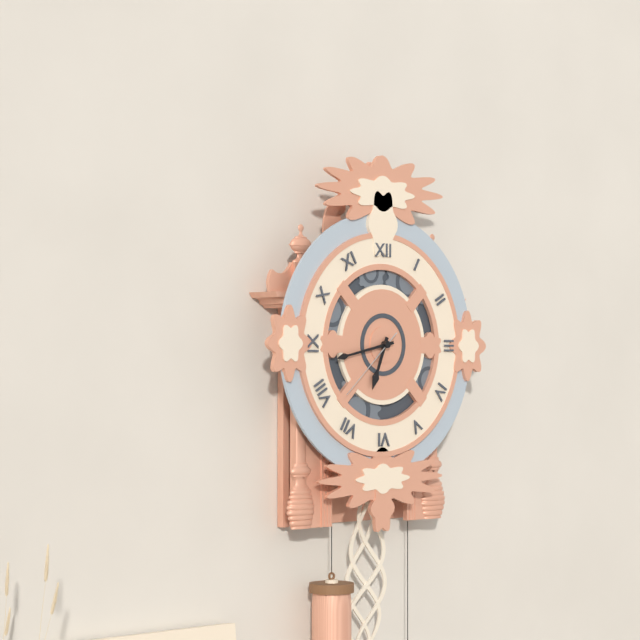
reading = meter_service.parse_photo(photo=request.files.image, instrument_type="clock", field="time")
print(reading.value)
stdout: 6:43:38
